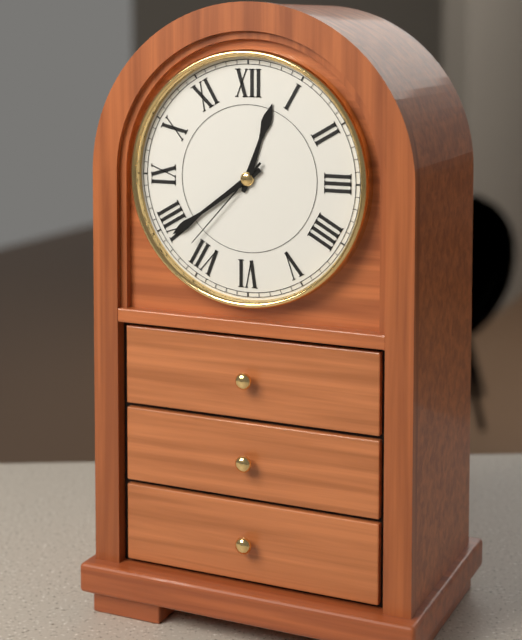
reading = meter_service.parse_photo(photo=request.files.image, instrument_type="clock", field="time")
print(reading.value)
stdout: 12:39:37
